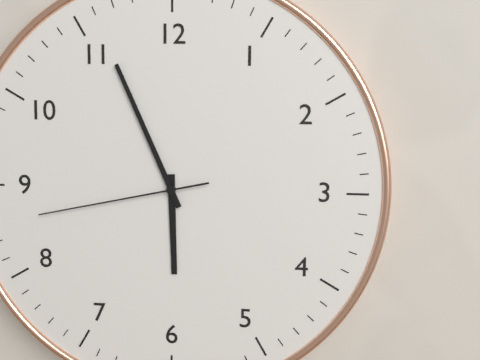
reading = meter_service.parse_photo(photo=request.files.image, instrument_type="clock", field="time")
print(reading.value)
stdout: 5:56:43
